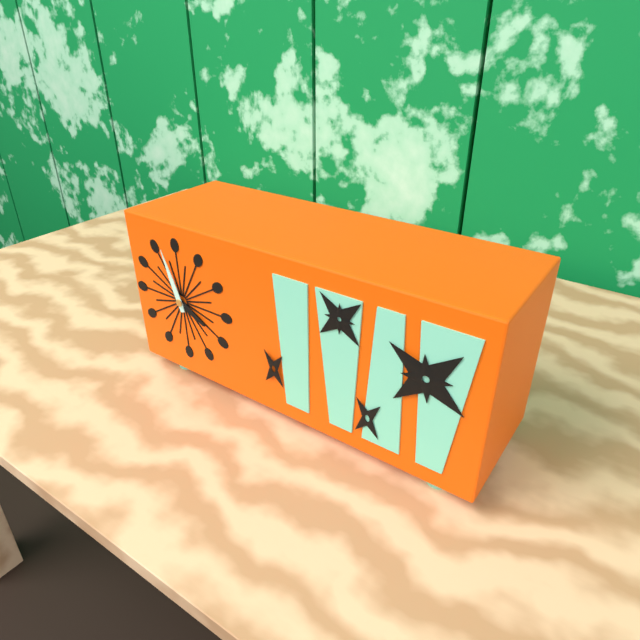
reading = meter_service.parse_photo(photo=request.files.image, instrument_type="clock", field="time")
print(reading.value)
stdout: 3:57
